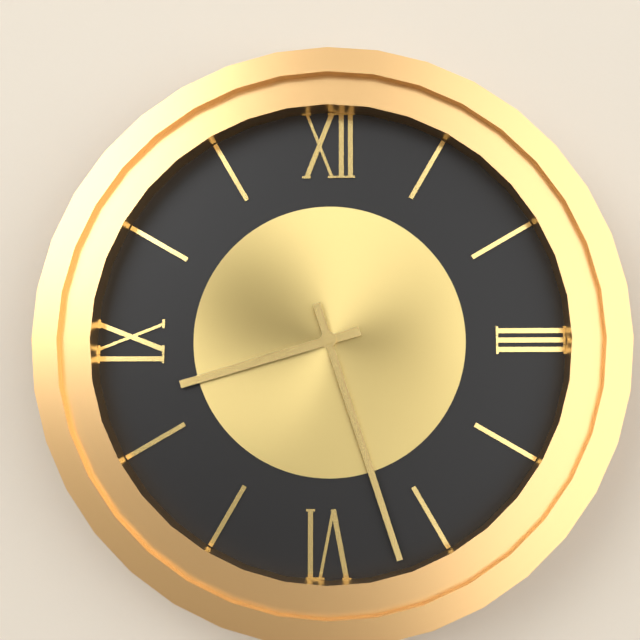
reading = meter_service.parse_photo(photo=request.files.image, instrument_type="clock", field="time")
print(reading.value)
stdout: 8:27
